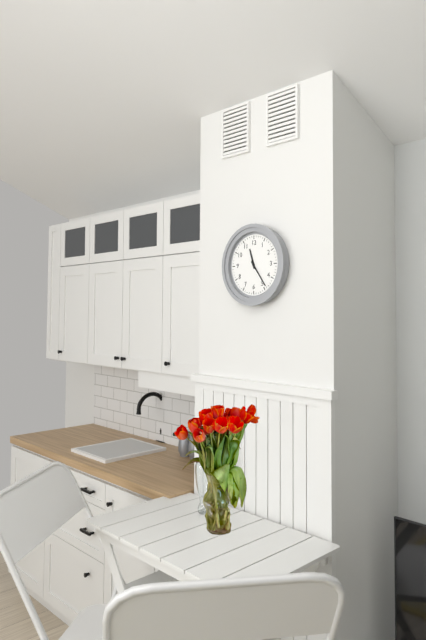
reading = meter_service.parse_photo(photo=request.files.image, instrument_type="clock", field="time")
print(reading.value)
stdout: 11:24
